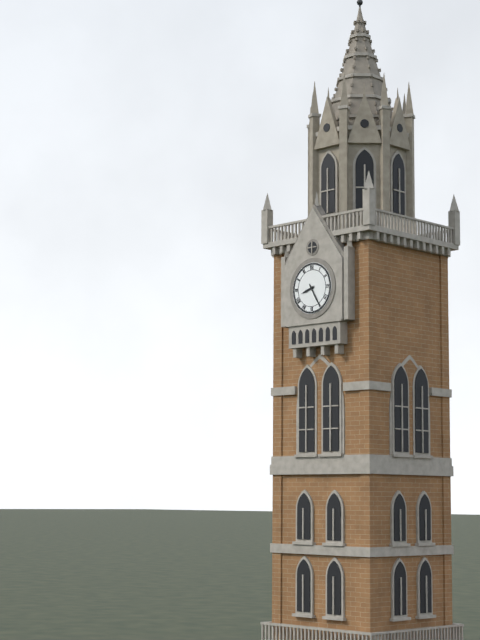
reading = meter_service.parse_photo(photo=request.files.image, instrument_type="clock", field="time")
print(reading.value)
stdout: 8:25
